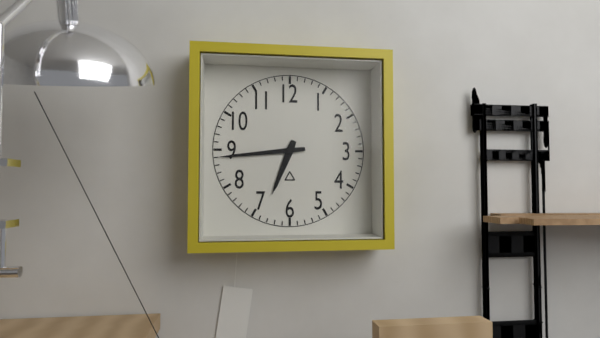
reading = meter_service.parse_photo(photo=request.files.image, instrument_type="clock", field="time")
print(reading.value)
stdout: 6:44
